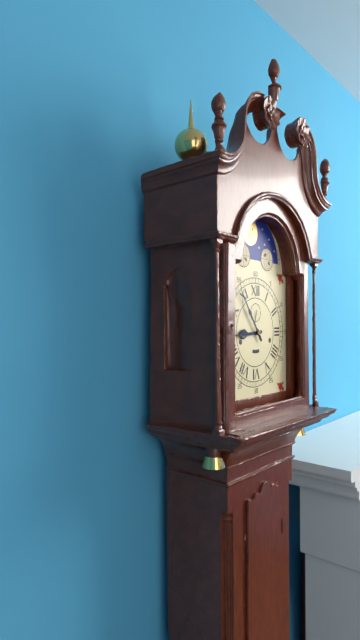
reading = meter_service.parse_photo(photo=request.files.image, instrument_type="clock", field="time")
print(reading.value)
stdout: 8:54
